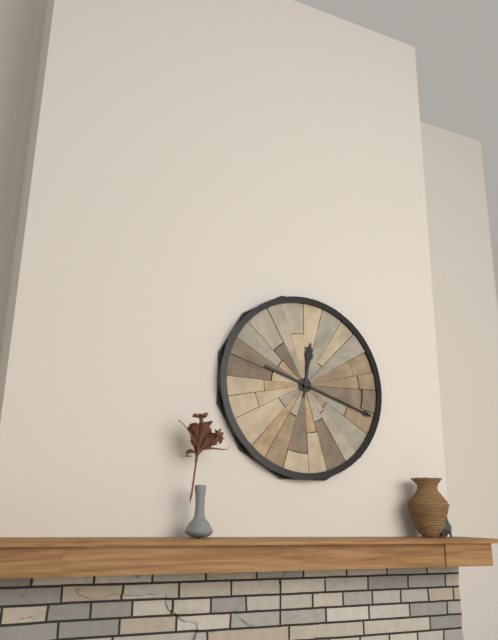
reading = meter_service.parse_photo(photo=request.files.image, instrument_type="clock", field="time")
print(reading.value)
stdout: 12:18
